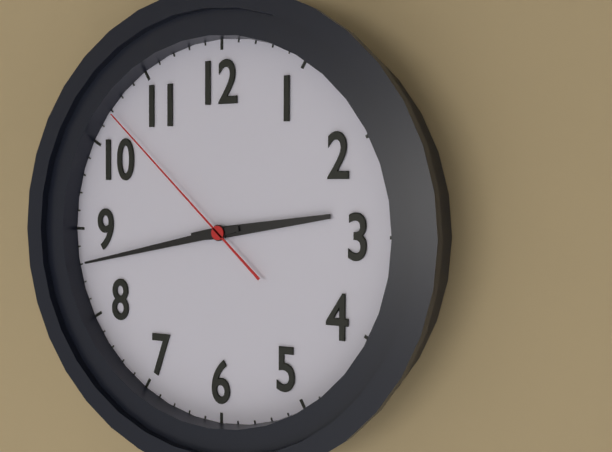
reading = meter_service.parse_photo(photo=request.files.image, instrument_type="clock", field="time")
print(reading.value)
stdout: 2:43:52
